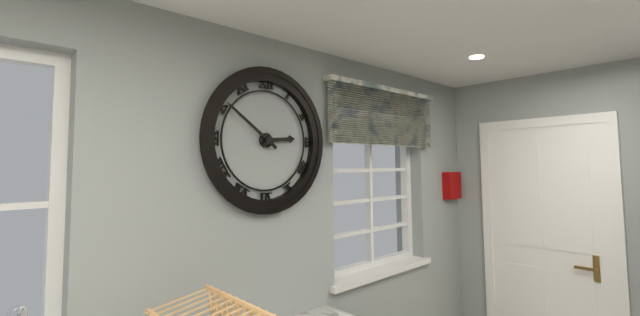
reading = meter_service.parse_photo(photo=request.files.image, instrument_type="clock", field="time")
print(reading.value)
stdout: 2:51
